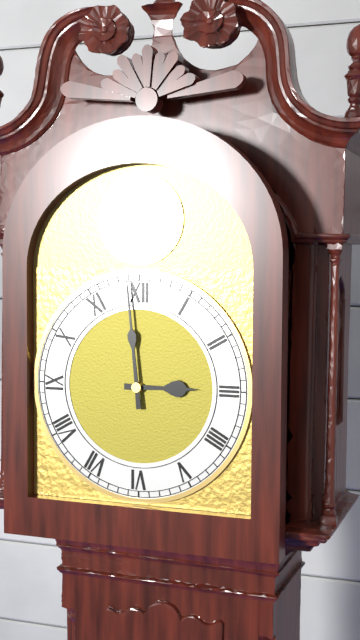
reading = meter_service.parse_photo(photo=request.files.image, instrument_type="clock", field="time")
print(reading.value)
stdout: 2:59
